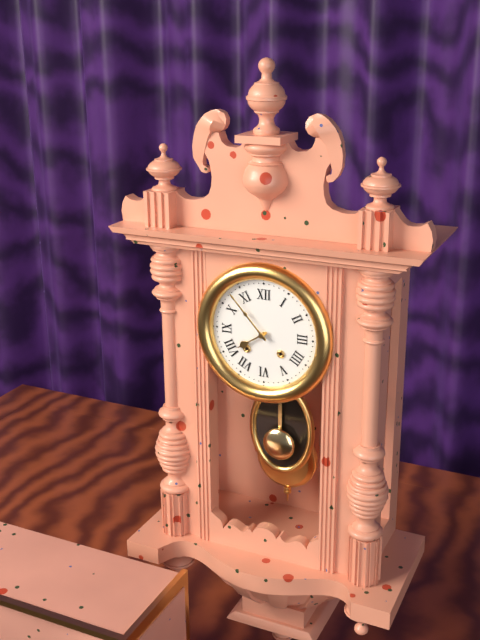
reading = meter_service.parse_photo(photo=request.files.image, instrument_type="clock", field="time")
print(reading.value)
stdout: 7:53
